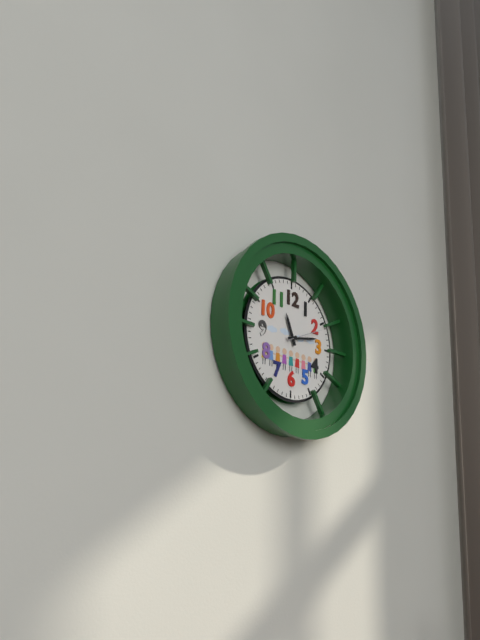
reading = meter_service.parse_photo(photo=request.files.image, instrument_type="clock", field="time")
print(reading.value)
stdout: 11:13
